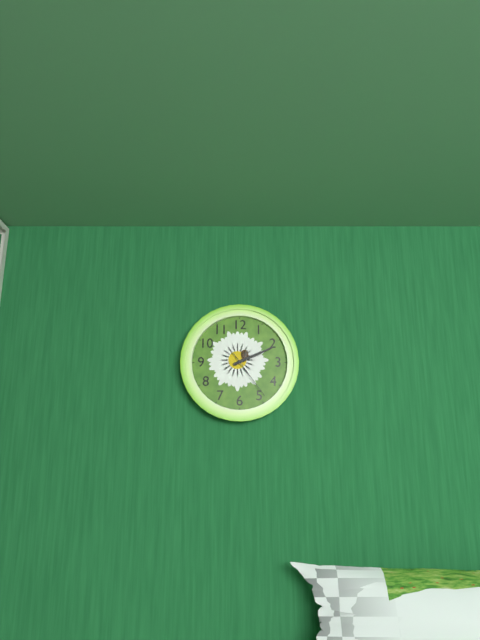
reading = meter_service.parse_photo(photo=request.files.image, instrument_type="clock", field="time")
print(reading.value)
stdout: 2:11:24
